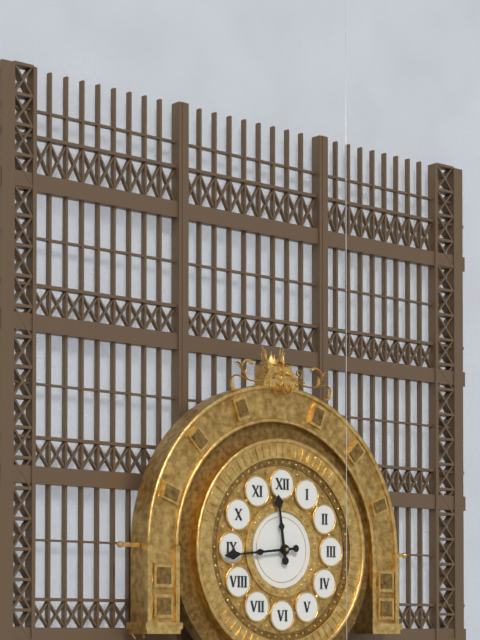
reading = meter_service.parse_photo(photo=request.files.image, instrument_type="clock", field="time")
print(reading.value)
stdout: 11:44
